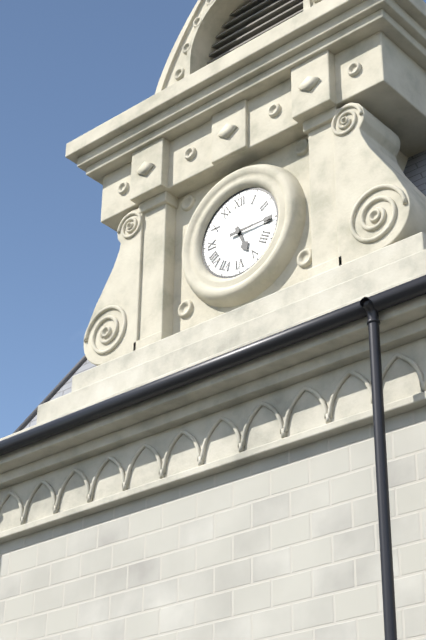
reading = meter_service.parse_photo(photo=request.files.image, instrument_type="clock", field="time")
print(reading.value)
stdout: 5:15
